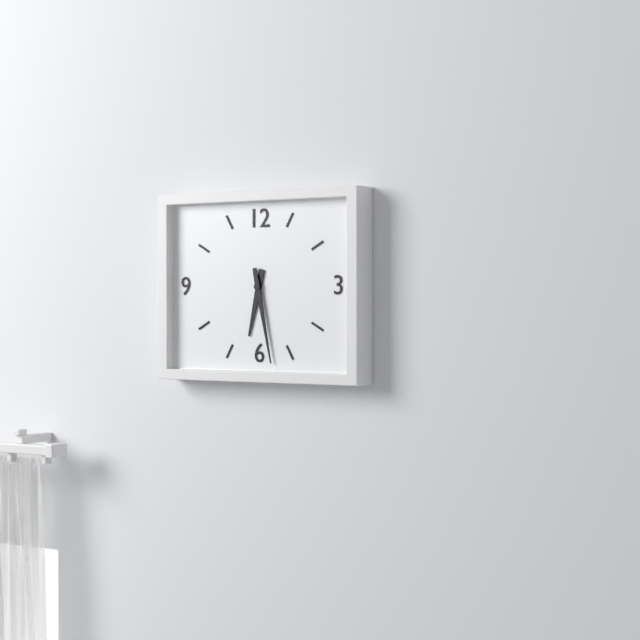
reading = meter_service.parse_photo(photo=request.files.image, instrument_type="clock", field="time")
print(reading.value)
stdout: 6:28
